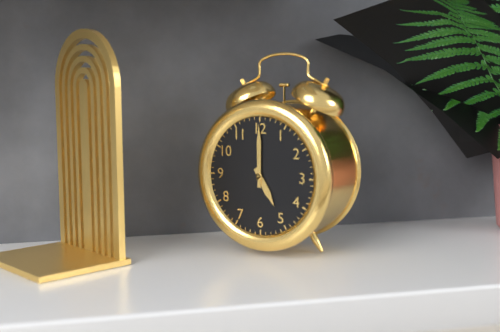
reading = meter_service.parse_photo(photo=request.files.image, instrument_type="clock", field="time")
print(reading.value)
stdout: 5:00
